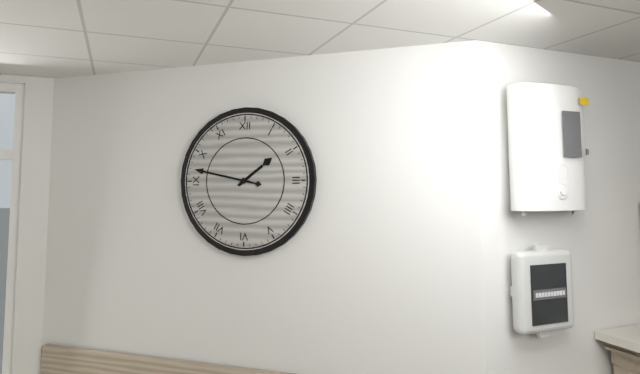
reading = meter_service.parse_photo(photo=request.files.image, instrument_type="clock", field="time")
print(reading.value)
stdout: 1:47
